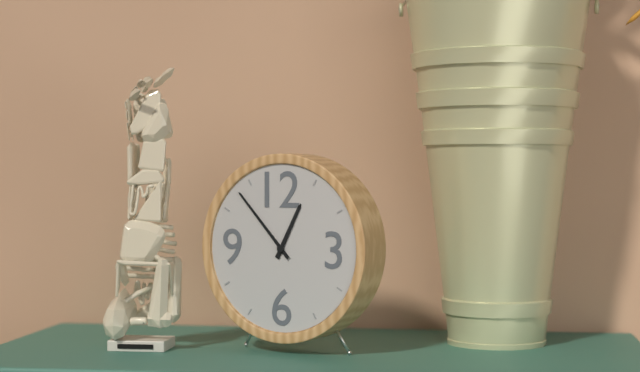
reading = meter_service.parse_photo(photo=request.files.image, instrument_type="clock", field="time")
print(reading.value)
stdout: 12:53
